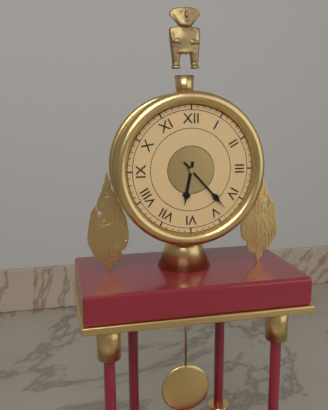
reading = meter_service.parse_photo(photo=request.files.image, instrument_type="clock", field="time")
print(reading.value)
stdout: 6:23
